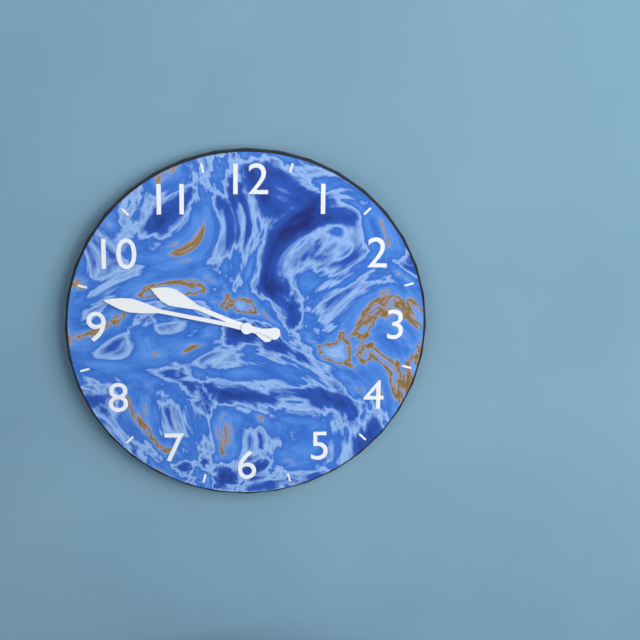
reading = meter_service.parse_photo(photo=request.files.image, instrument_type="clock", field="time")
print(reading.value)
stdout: 9:47
